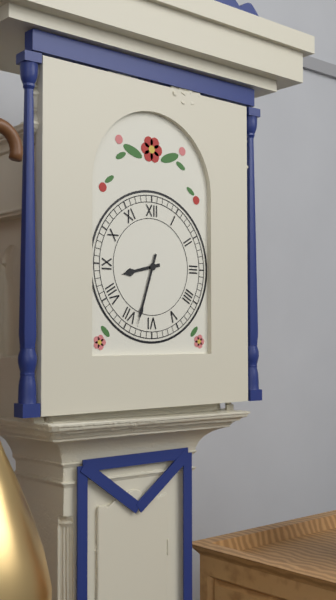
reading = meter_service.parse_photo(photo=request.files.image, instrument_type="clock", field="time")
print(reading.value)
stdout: 8:33
